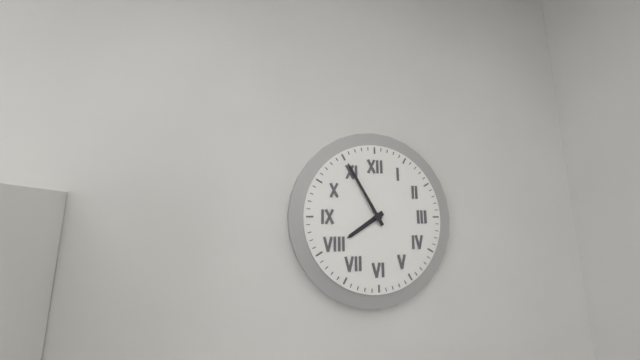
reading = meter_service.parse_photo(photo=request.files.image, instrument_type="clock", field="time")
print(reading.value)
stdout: 7:55
